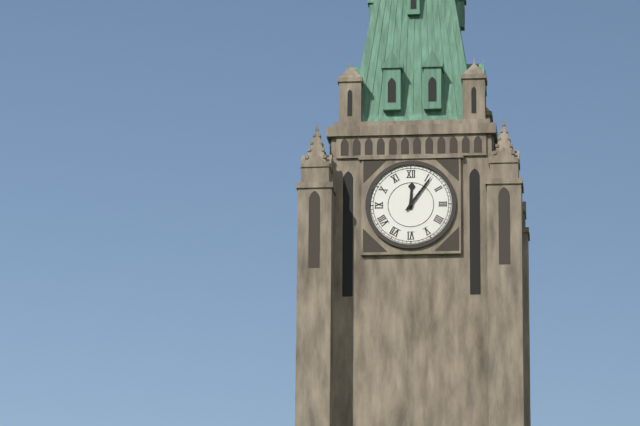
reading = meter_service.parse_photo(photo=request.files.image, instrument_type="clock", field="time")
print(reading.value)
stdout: 12:06
